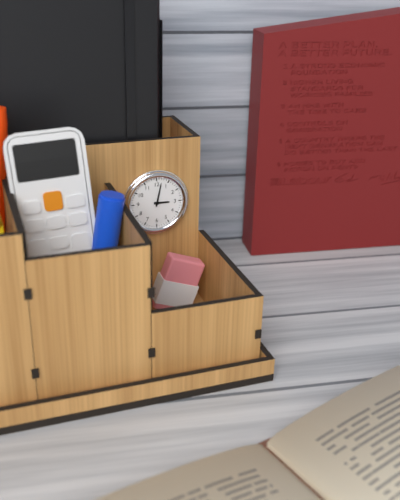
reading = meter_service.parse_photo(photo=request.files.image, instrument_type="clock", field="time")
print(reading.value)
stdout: 3:02
